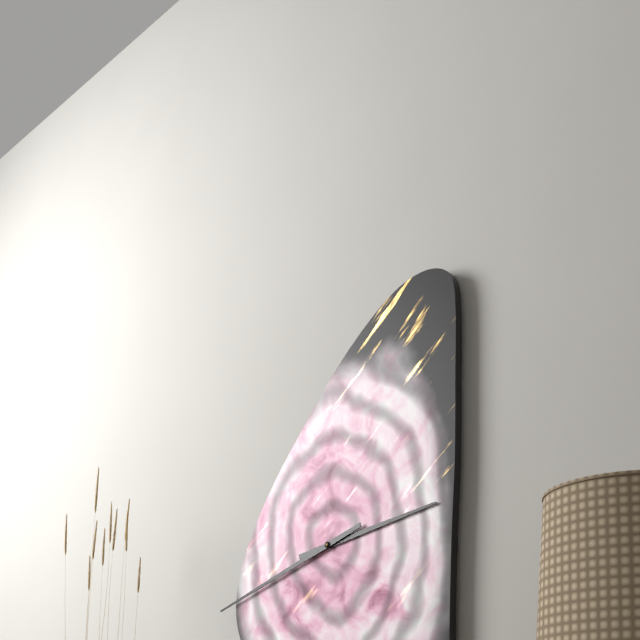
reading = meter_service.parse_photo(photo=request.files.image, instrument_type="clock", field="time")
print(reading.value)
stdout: 2:42
